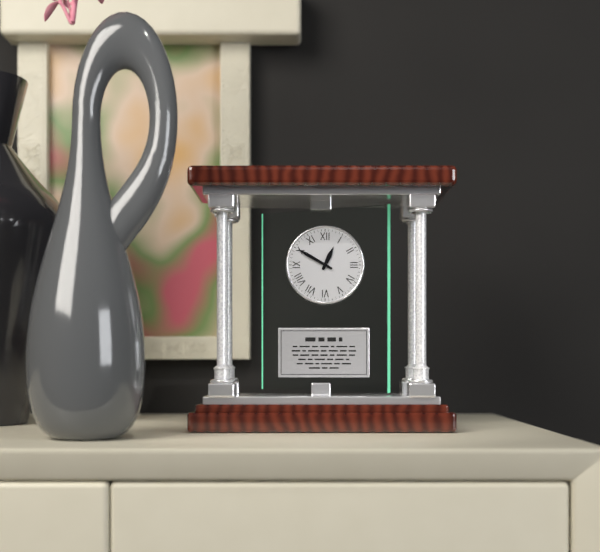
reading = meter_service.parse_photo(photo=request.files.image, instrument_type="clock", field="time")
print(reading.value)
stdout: 12:50
